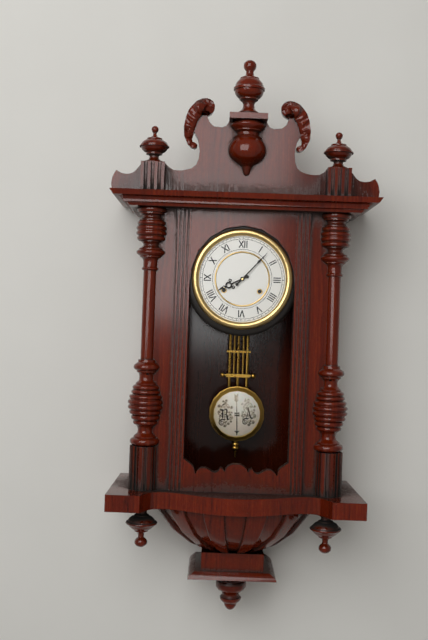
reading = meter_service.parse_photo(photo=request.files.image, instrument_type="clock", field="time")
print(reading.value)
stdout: 8:07
